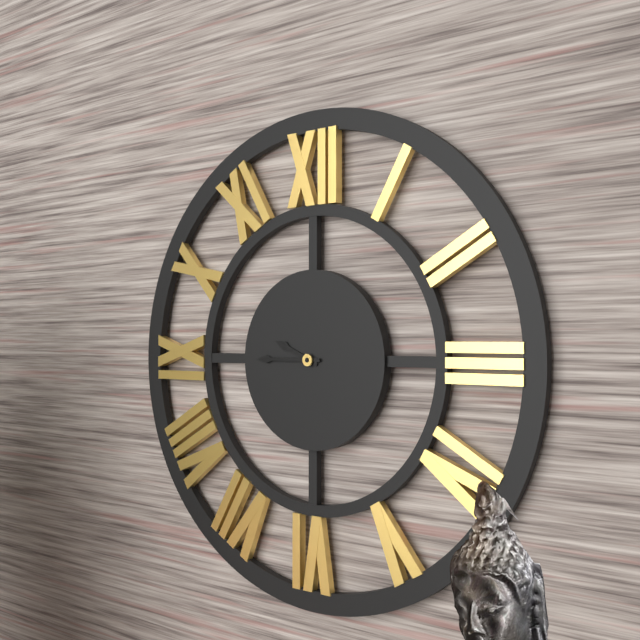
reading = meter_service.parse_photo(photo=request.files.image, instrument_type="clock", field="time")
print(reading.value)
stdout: 9:45
